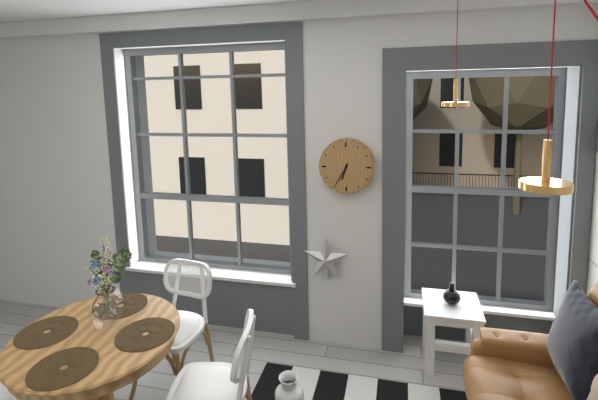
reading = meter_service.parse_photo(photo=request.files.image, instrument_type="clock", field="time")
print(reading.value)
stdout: 6:35
